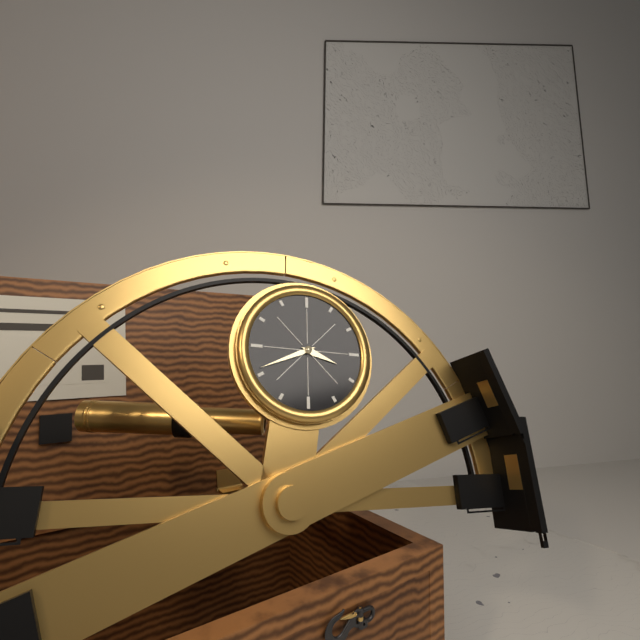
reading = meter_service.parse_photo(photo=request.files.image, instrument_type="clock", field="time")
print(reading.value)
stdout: 3:41
